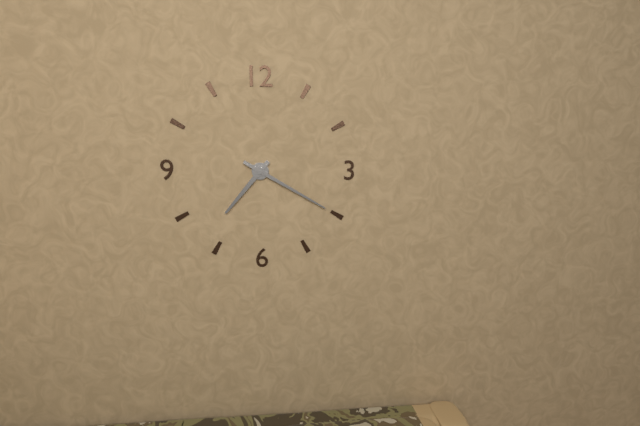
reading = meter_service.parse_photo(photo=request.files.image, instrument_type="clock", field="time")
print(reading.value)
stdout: 7:20
